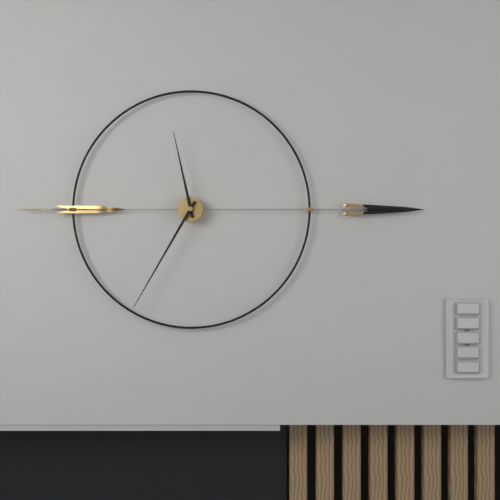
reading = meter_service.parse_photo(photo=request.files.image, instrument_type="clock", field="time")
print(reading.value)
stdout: 11:35
